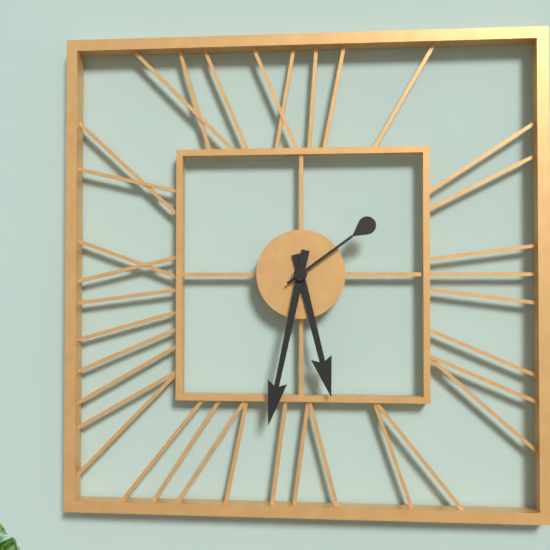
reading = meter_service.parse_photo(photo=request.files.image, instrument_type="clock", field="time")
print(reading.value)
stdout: 5:32:09
